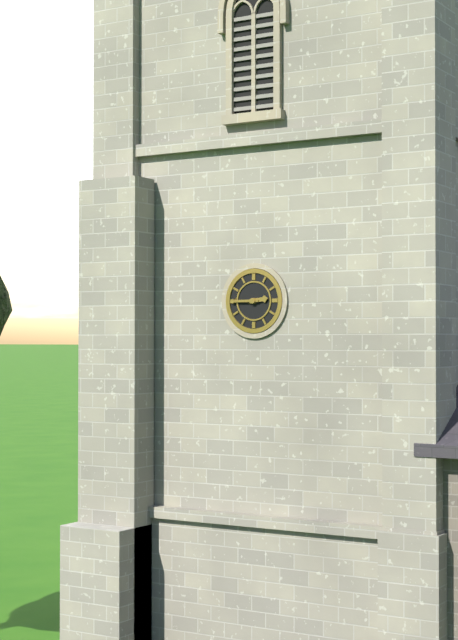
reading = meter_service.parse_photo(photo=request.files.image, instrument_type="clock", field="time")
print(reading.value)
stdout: 2:45
